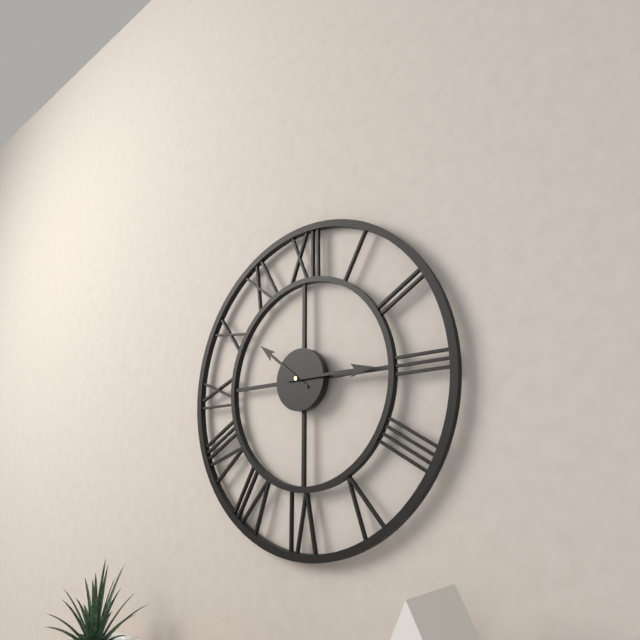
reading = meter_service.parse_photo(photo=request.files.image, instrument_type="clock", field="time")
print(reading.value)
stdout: 10:15
